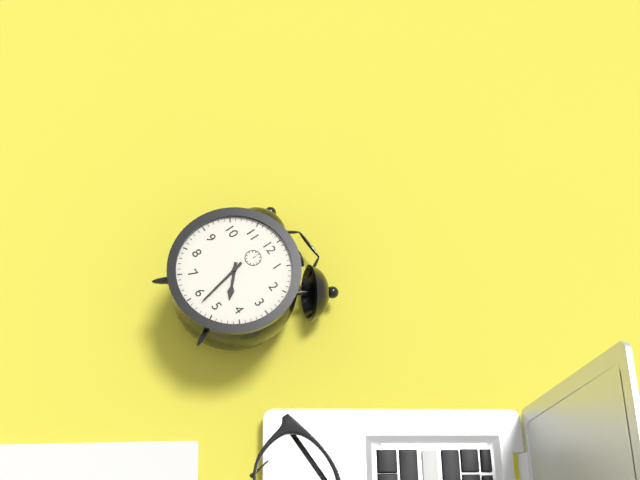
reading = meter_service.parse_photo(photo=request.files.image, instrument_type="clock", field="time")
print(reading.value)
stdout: 4:28
